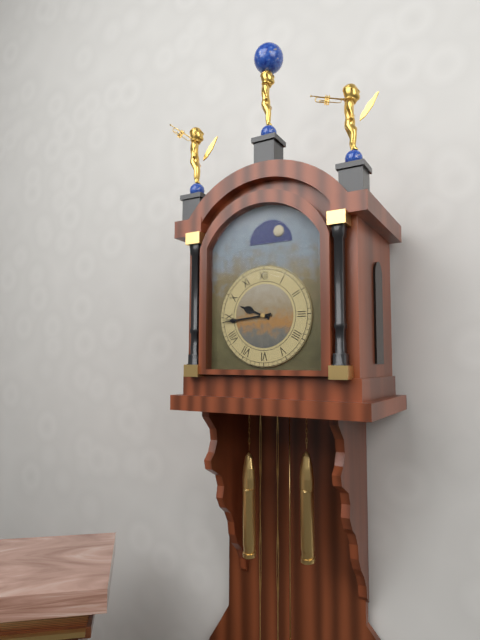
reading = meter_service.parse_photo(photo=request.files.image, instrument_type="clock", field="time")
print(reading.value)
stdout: 9:44
